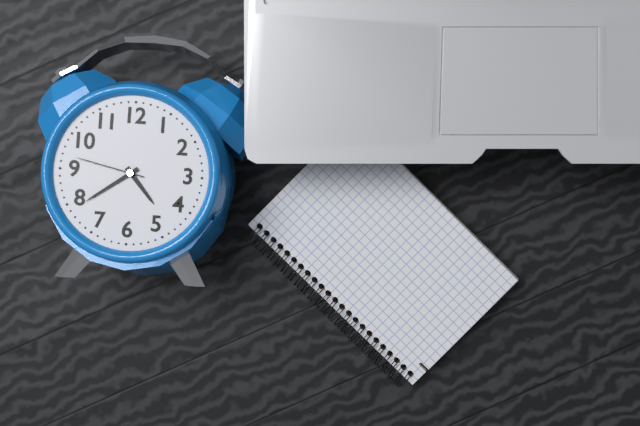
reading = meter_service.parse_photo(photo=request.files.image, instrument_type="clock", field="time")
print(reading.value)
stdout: 4:39:47
